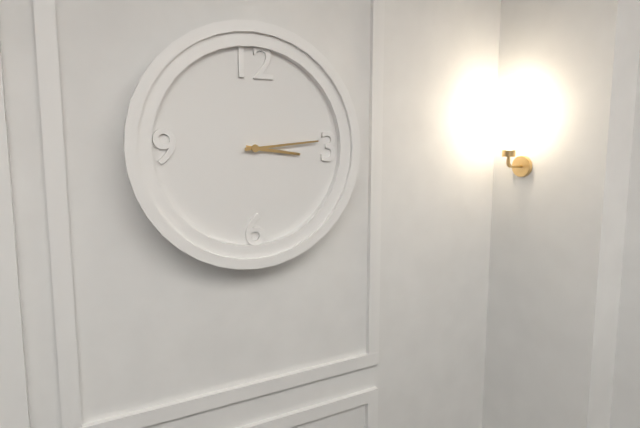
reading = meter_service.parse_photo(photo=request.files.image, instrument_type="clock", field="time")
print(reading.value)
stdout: 3:14
